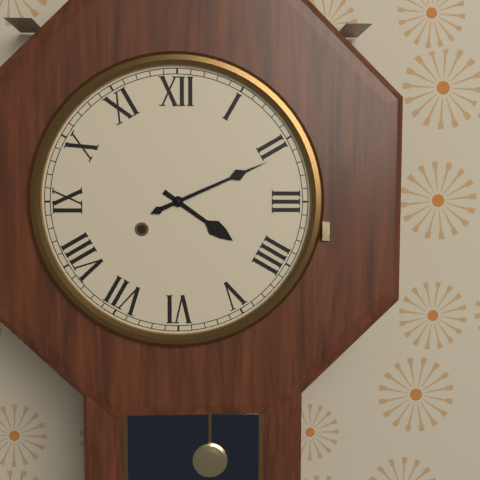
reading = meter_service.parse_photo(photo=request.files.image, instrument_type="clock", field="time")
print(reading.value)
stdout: 4:11
